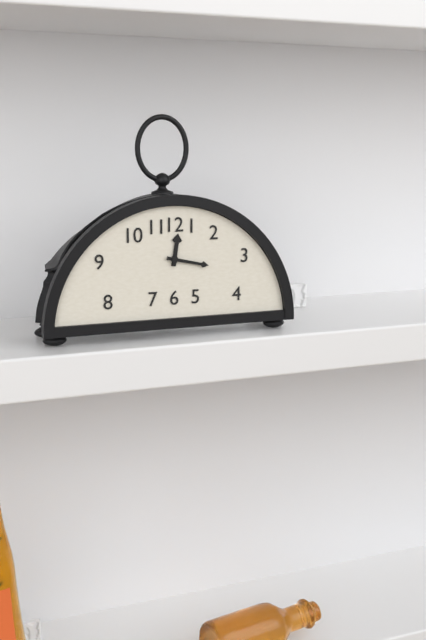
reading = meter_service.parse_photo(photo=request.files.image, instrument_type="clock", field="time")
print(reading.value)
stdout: 12:17
